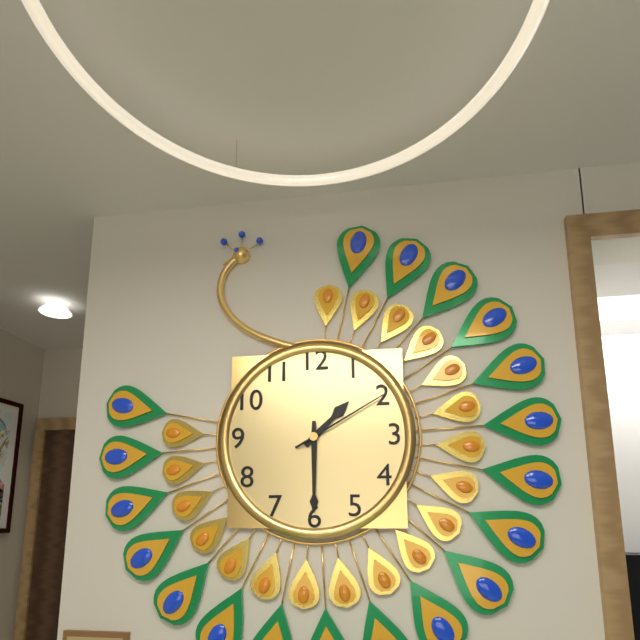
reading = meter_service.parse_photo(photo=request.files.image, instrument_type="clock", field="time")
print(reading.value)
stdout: 1:30:10
